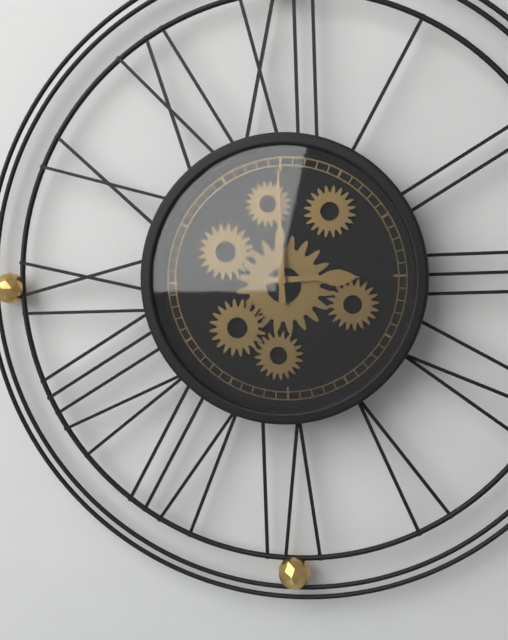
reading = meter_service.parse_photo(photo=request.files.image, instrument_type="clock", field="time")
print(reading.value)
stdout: 3:00
